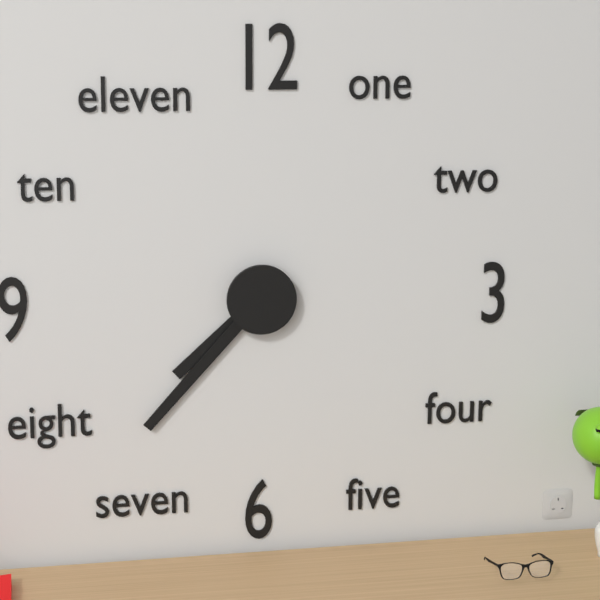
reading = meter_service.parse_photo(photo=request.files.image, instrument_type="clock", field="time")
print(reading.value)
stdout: 7:37
